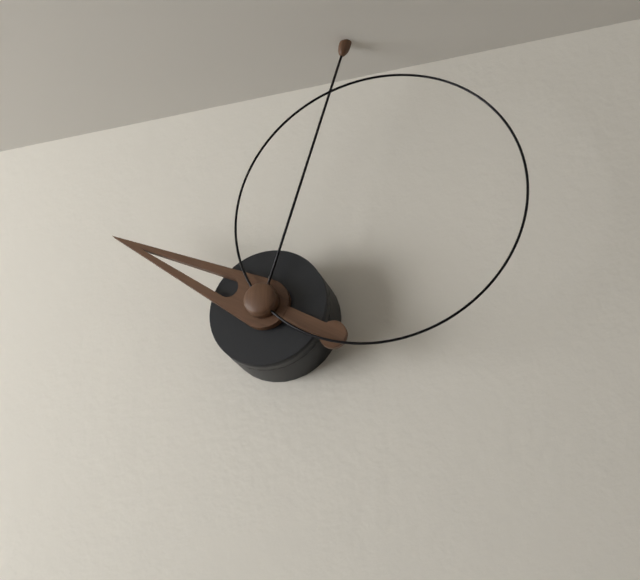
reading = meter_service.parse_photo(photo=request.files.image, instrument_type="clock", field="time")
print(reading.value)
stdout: 10:03:09
